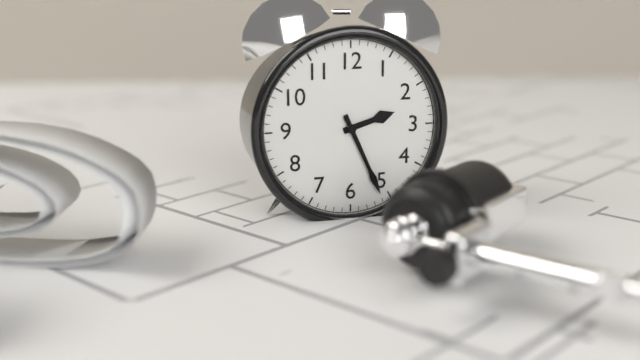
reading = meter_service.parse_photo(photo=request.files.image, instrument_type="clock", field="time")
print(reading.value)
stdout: 2:26
